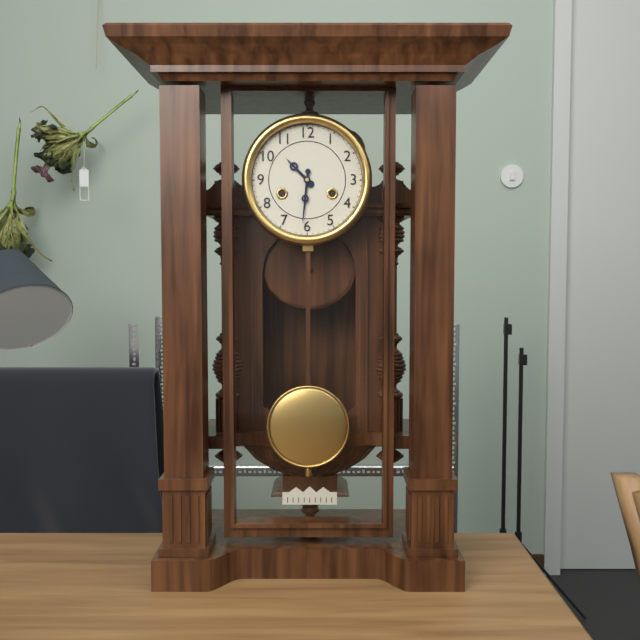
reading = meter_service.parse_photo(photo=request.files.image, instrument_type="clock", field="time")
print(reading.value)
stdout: 10:31
